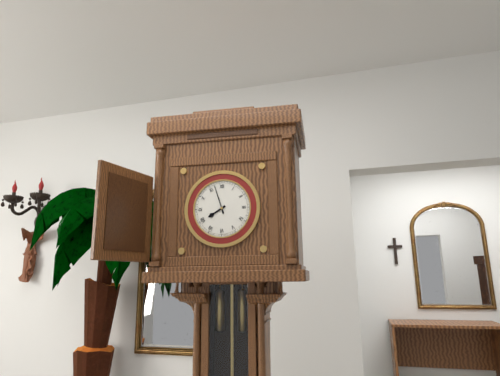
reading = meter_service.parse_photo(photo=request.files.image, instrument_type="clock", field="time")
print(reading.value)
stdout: 7:57
